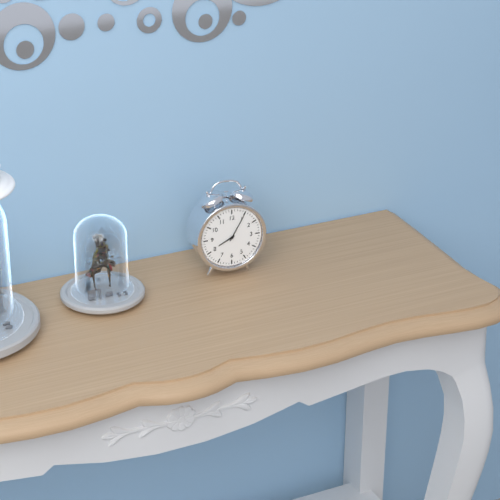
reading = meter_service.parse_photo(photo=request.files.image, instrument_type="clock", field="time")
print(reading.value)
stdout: 8:05
